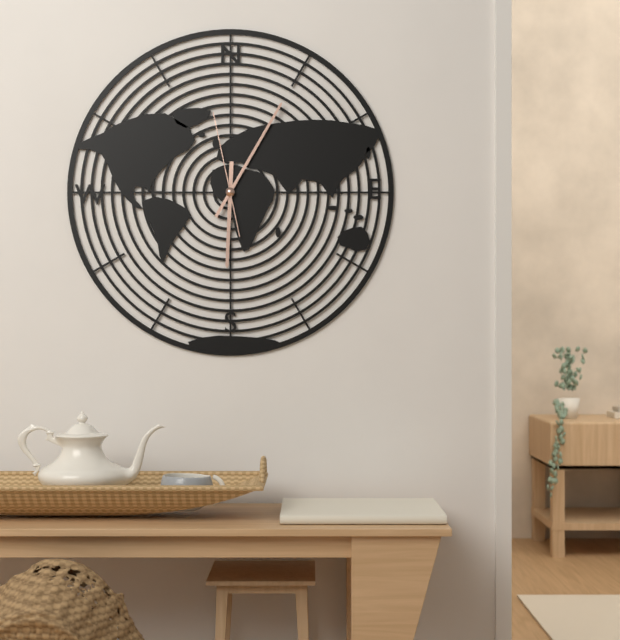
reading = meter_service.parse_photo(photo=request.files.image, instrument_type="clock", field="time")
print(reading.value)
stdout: 6:05:58
